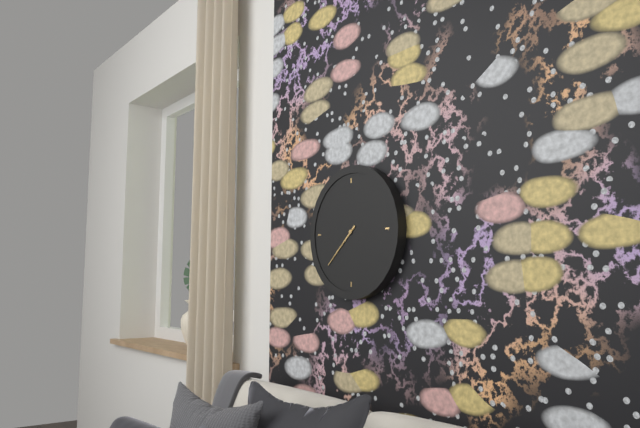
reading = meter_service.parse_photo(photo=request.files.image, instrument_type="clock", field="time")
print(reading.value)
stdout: 7:38
